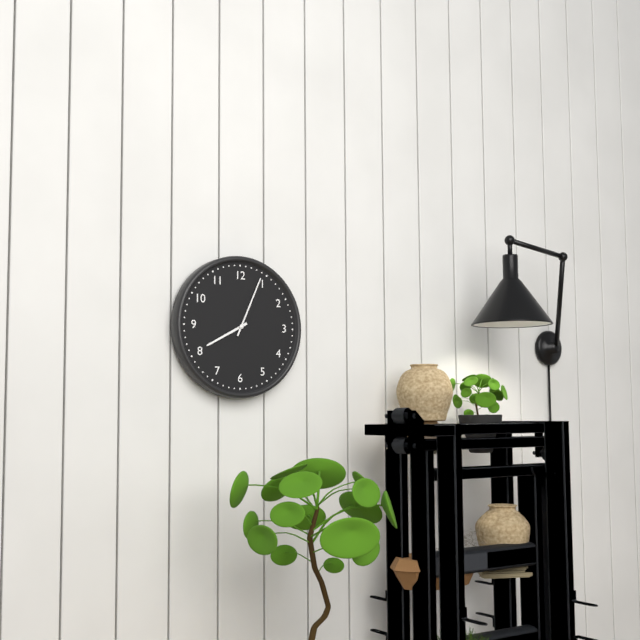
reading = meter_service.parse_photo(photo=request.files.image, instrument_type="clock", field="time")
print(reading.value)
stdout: 8:04
